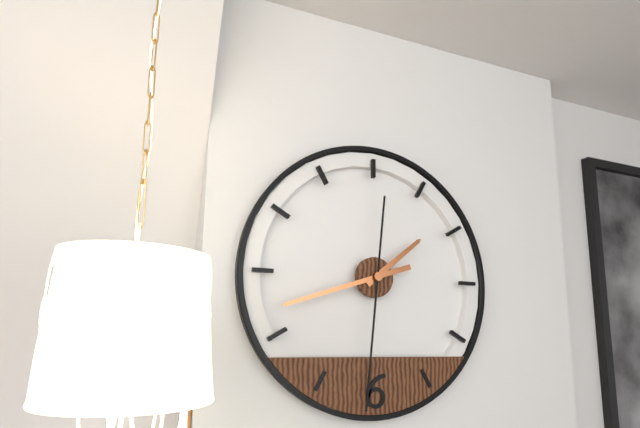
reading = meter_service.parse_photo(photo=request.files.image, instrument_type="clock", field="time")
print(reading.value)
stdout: 1:42:31
